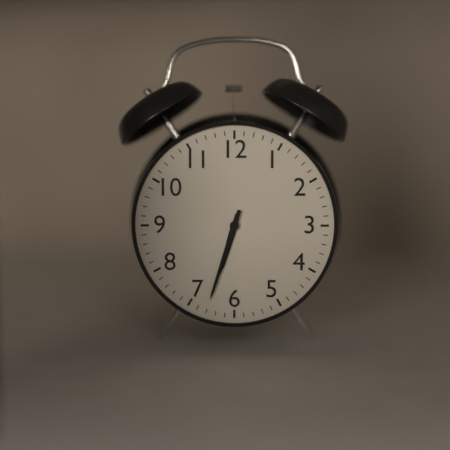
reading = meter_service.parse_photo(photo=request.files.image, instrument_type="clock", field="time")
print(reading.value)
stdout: 6:33
